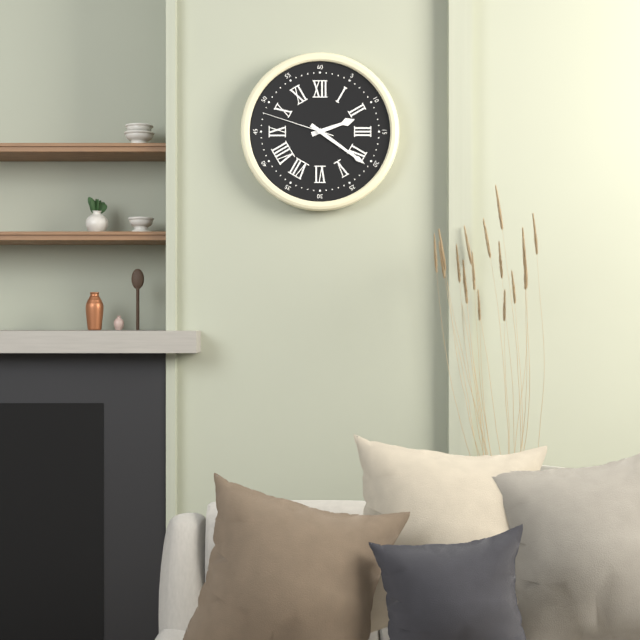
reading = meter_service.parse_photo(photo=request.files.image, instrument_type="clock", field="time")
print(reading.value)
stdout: 2:21:48
